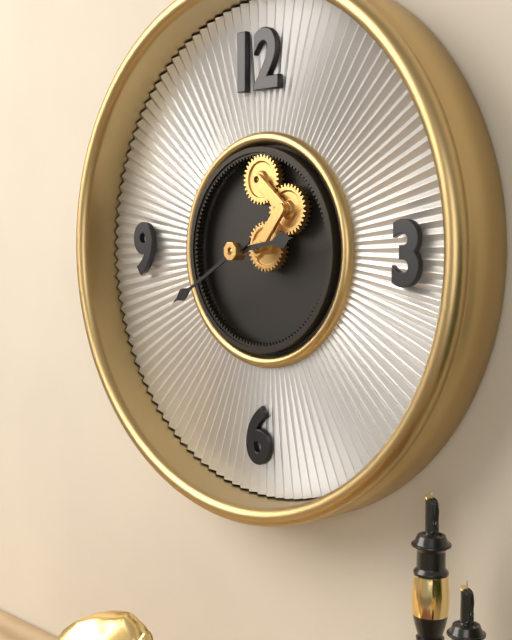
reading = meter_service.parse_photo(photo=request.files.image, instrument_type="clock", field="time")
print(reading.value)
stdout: 2:40
